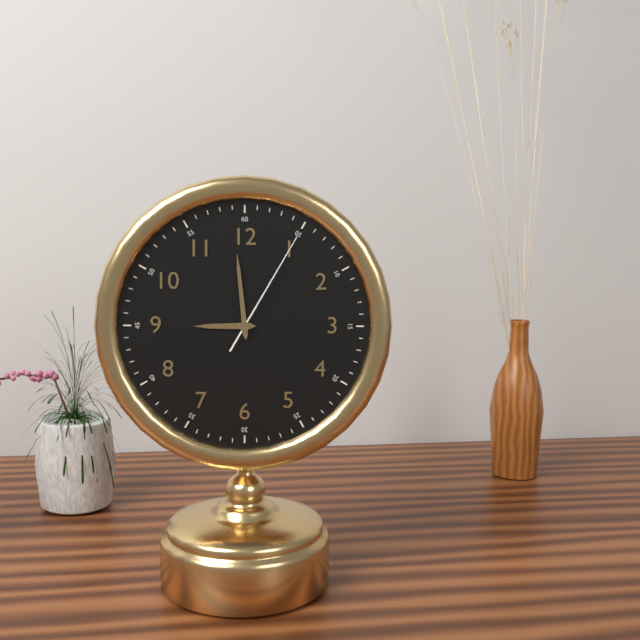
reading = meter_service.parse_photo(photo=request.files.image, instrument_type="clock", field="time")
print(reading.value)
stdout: 8:59:05
